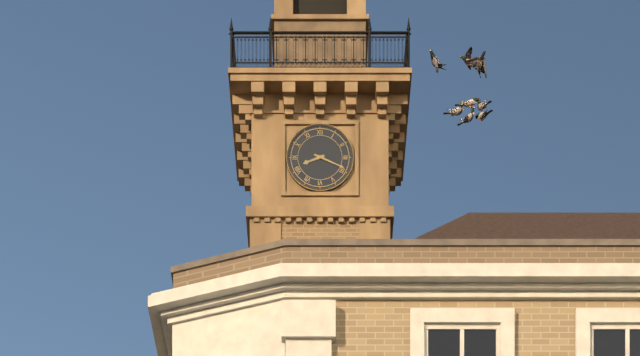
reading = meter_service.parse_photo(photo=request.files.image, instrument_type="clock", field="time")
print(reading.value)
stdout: 8:19
